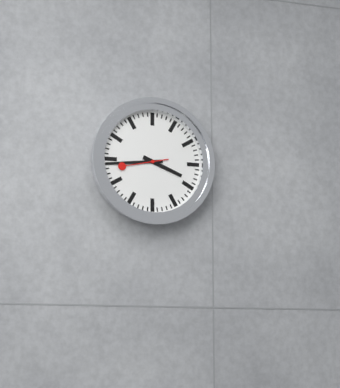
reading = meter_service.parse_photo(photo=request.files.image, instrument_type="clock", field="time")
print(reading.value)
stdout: 3:44
